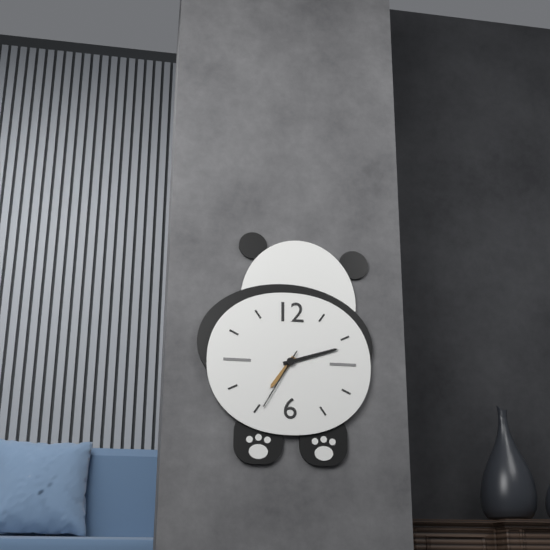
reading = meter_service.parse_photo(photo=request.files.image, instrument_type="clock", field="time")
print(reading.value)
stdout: 7:12:35
